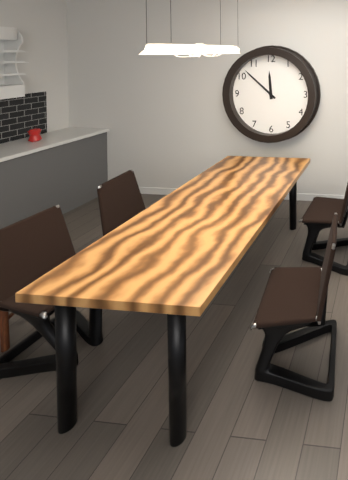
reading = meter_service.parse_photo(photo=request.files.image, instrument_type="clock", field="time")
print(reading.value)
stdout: 11:52
